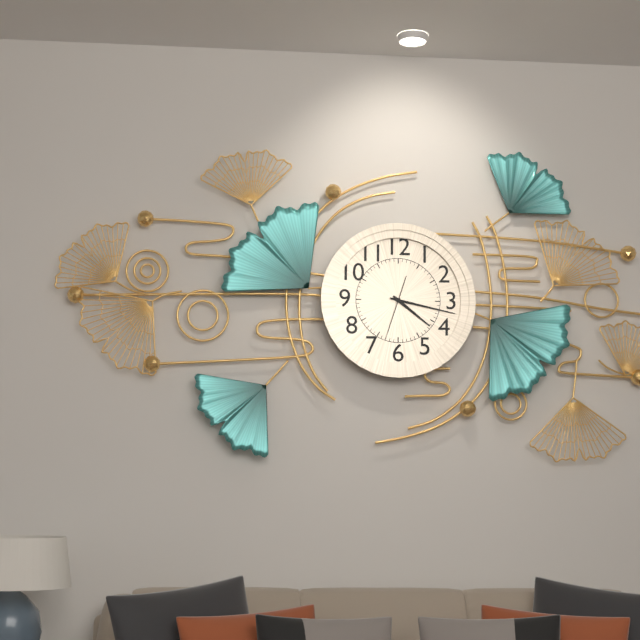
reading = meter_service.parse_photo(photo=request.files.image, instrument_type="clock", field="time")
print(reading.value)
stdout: 4:17:33
